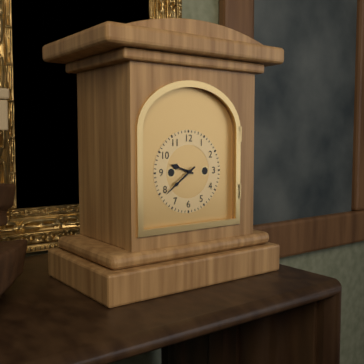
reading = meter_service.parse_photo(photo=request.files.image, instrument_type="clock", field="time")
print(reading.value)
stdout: 9:39
